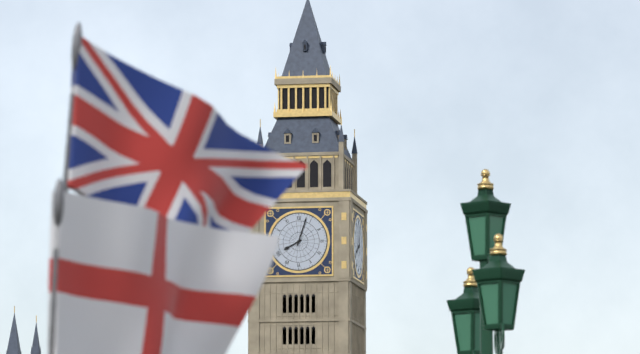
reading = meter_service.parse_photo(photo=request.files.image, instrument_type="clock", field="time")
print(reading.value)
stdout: 8:03
